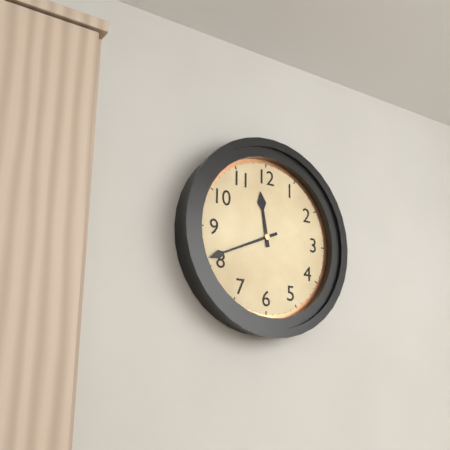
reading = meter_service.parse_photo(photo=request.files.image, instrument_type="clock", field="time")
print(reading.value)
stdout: 11:41
